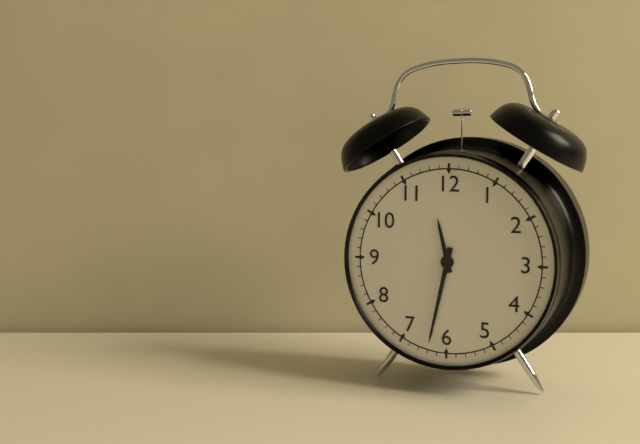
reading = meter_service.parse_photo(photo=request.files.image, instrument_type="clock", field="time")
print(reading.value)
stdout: 11:32
